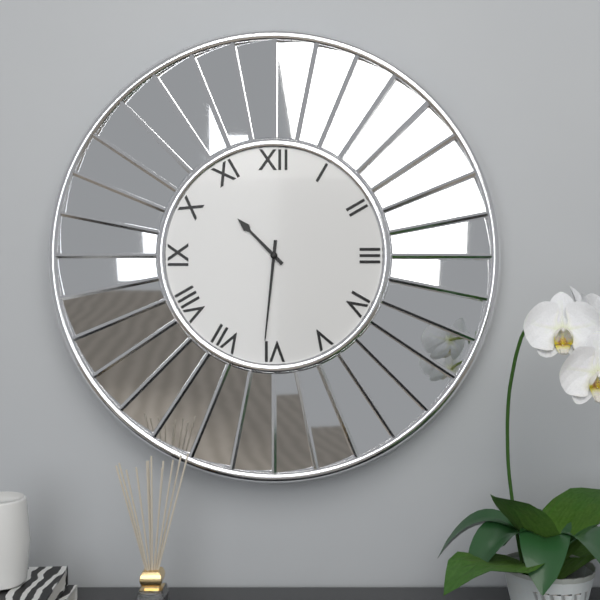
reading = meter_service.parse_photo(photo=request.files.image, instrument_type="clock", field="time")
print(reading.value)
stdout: 10:31
